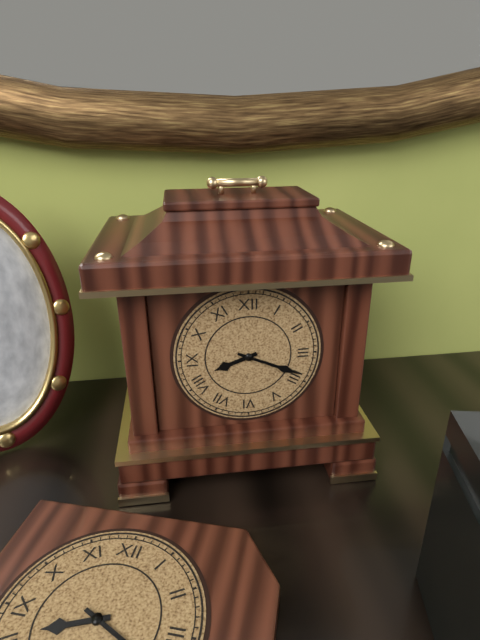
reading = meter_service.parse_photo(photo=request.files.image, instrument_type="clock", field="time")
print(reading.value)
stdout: 8:19
